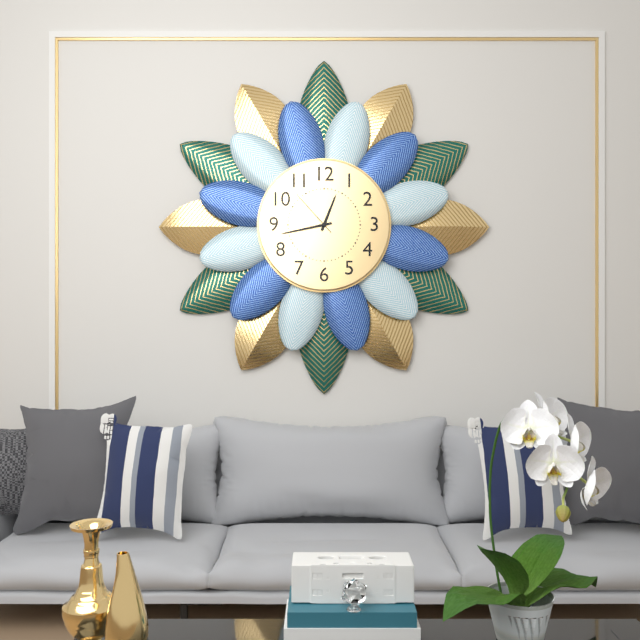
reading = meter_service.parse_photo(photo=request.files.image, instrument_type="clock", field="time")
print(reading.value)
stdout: 12:43:53
